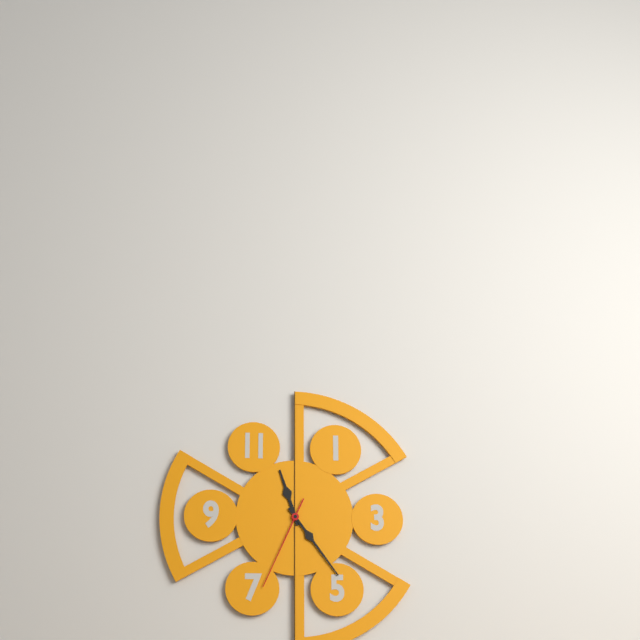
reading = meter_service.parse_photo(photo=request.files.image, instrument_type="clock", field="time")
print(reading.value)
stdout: 11:24:34
